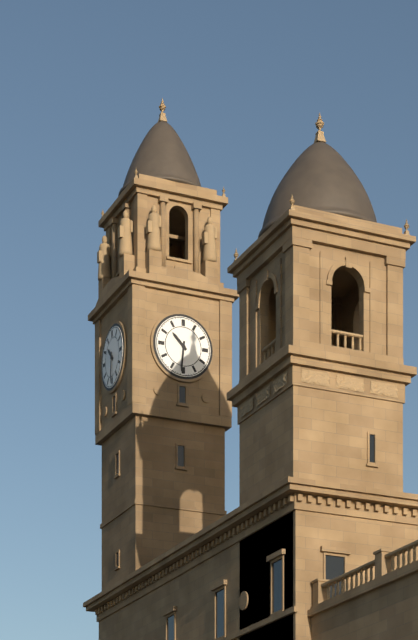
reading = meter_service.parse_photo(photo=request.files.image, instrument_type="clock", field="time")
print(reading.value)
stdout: 10:31
